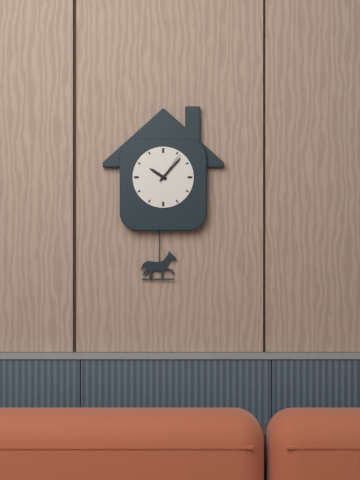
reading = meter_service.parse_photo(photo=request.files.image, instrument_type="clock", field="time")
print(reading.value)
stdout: 10:07
